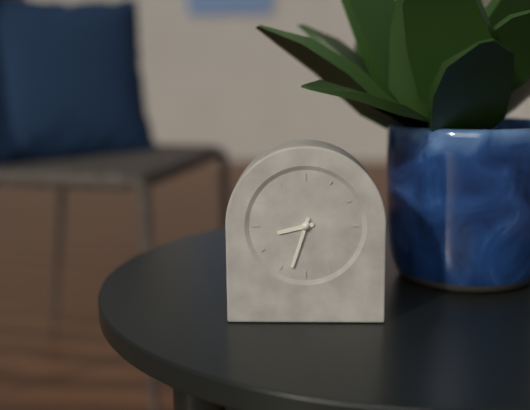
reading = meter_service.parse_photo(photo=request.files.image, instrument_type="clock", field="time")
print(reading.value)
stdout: 8:33
